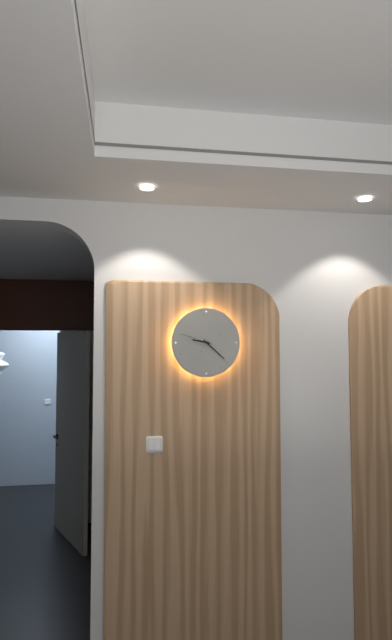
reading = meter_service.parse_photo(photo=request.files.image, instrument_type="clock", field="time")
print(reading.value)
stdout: 9:22
